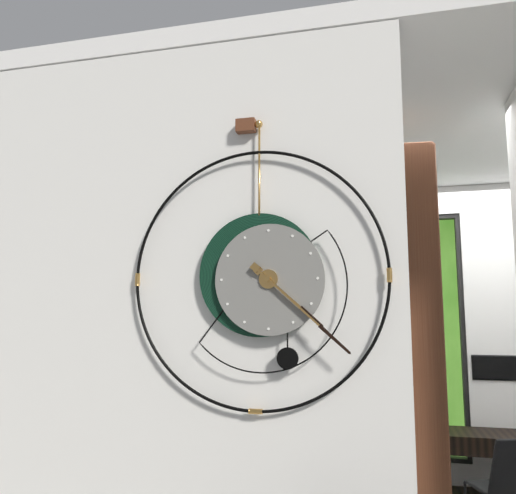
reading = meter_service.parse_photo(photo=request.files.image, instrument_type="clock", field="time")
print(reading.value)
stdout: 4:22
